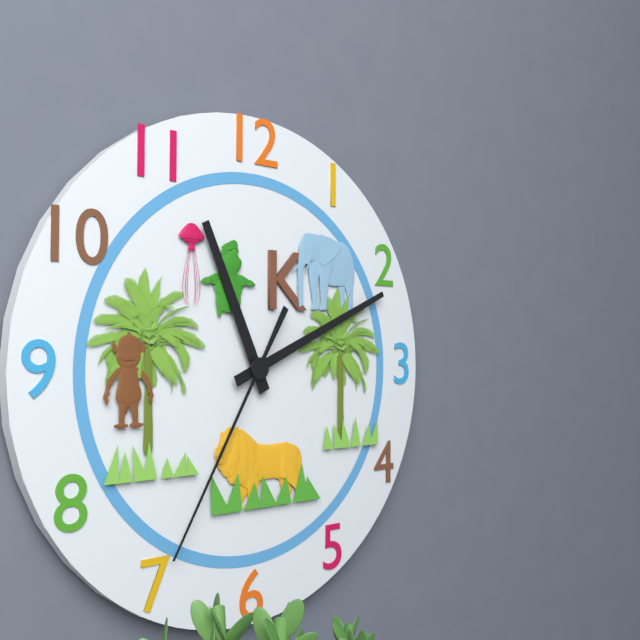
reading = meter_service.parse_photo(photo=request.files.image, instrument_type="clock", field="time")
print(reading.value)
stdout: 11:11:35
